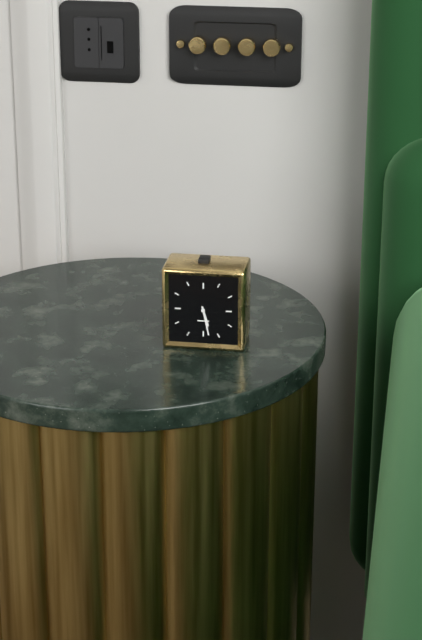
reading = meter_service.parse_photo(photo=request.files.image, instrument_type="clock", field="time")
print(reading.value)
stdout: 5:28
